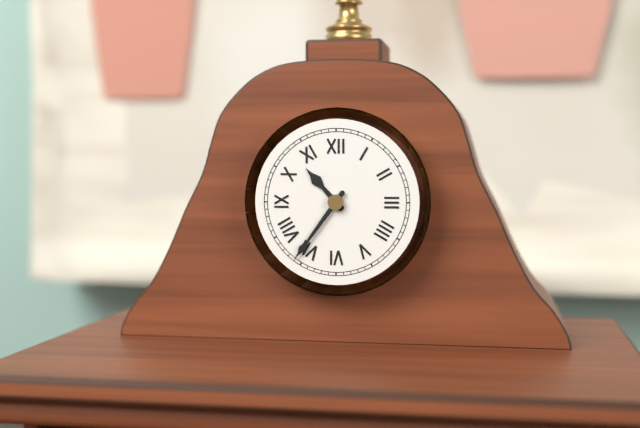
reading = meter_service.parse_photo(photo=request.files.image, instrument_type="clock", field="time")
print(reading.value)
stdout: 10:36
